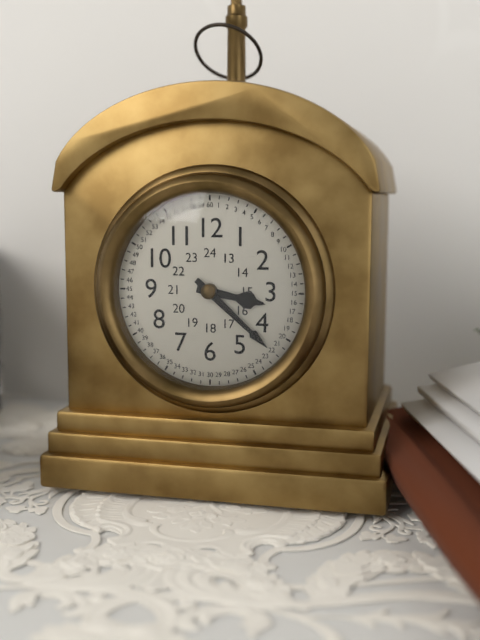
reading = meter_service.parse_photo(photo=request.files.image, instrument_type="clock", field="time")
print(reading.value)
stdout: 3:22
